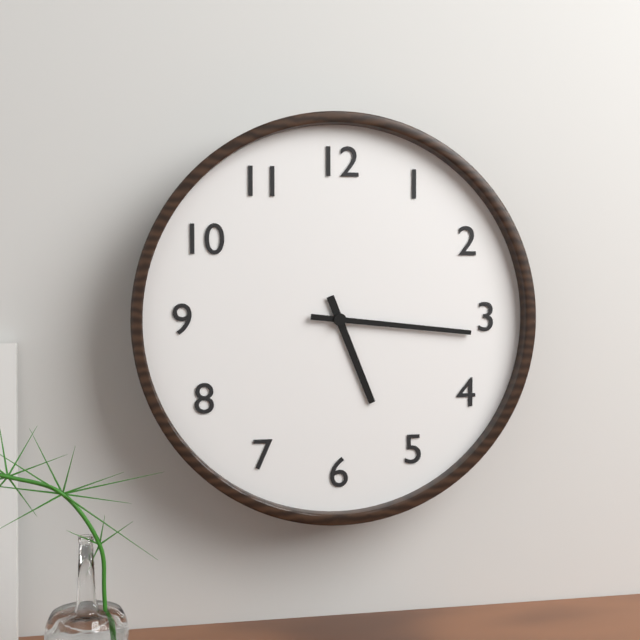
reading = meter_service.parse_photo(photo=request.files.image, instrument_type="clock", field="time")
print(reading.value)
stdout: 5:16
